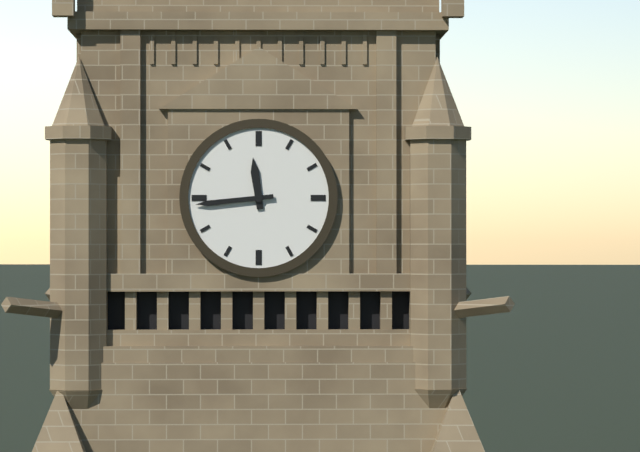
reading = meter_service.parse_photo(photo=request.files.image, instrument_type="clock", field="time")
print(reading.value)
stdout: 11:44
